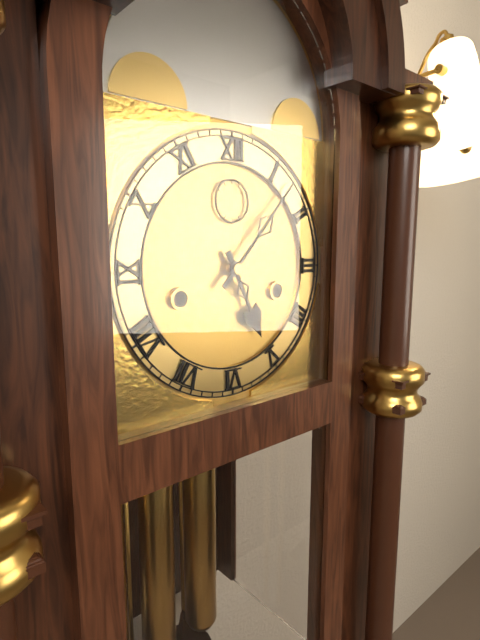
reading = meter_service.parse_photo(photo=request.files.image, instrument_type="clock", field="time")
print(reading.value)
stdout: 5:07
